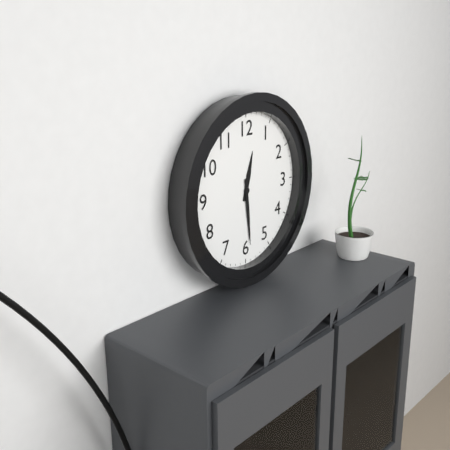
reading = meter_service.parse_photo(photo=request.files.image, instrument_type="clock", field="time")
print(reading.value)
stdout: 12:29
